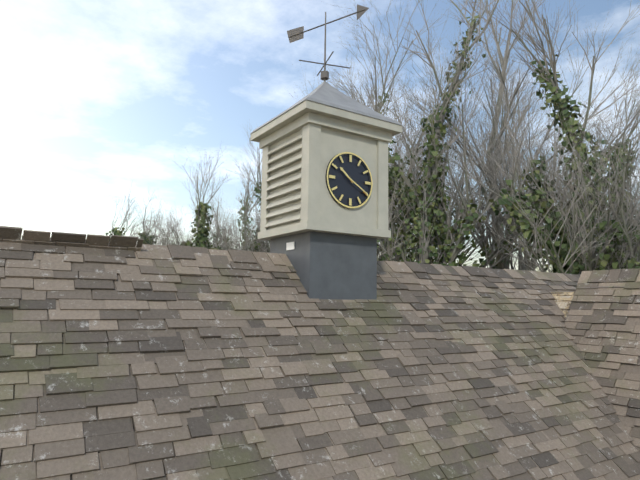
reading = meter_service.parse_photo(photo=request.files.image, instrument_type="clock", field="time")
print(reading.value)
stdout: 10:20
